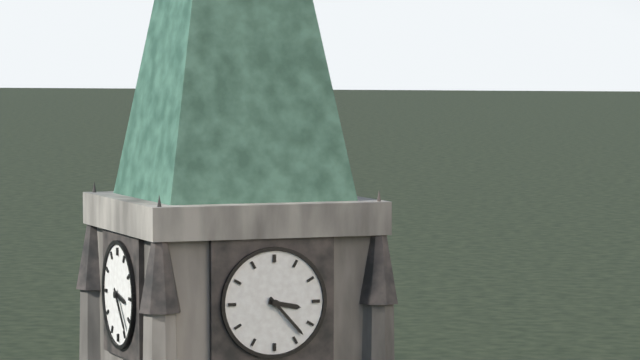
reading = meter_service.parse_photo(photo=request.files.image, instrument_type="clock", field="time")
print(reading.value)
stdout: 3:23
